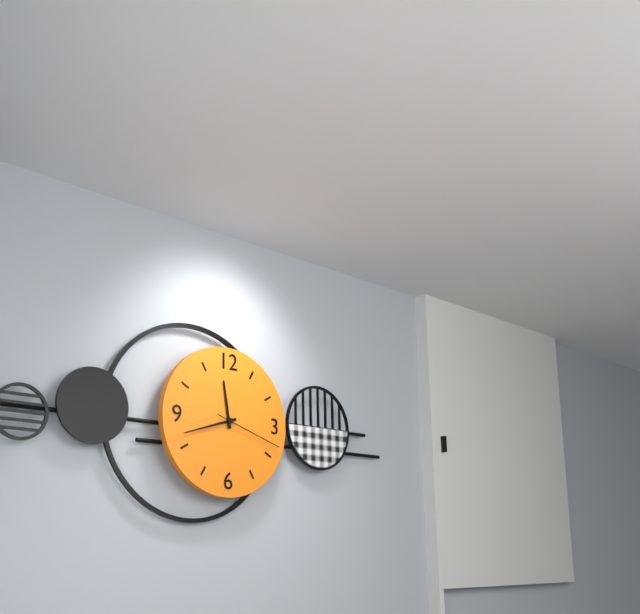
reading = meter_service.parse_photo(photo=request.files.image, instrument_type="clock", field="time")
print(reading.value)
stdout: 11:42:18
